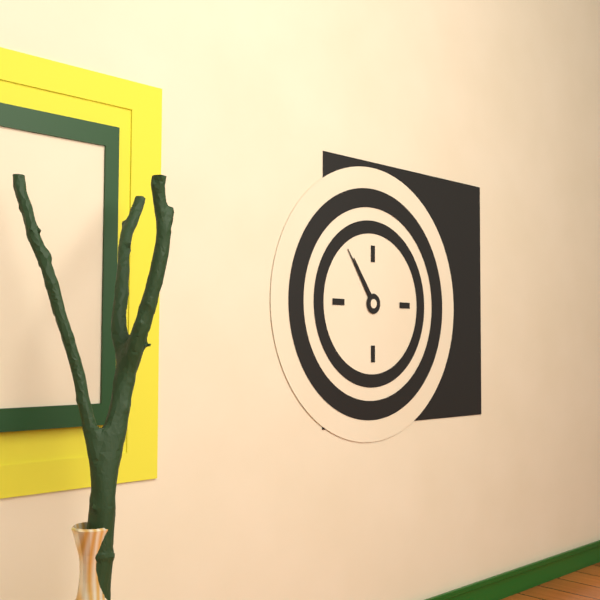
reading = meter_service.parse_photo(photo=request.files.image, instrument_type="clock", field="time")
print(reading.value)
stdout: 10:54
